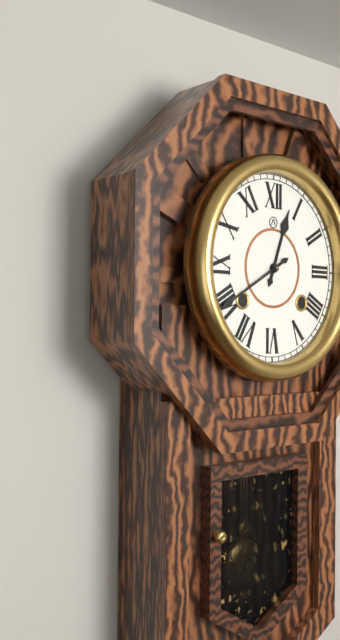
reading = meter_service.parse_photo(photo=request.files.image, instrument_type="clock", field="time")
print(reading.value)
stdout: 12:40
